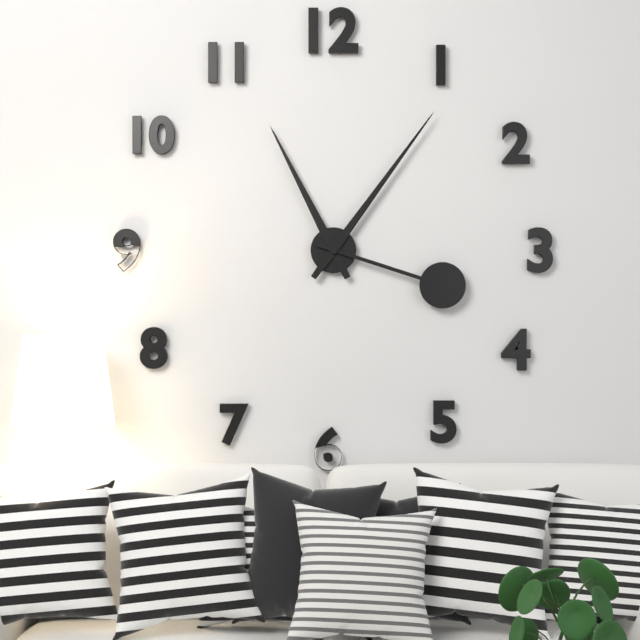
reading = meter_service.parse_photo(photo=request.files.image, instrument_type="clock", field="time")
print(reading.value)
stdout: 11:06:18
